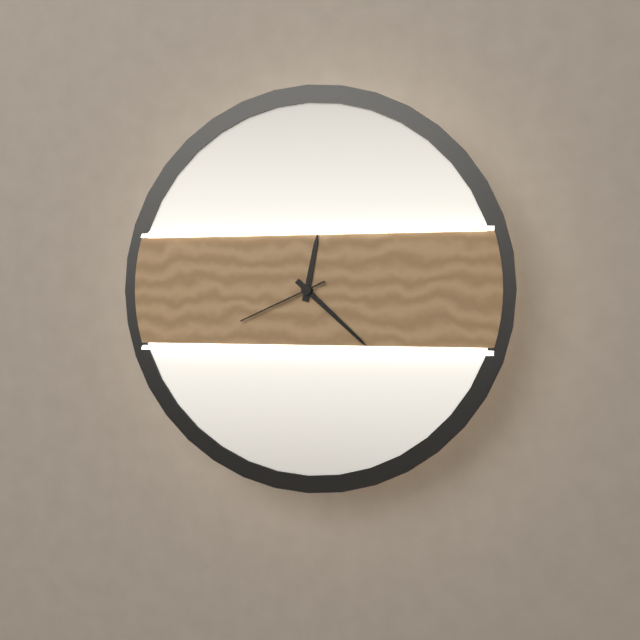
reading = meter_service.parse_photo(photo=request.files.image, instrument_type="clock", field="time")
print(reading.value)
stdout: 12:22:41
